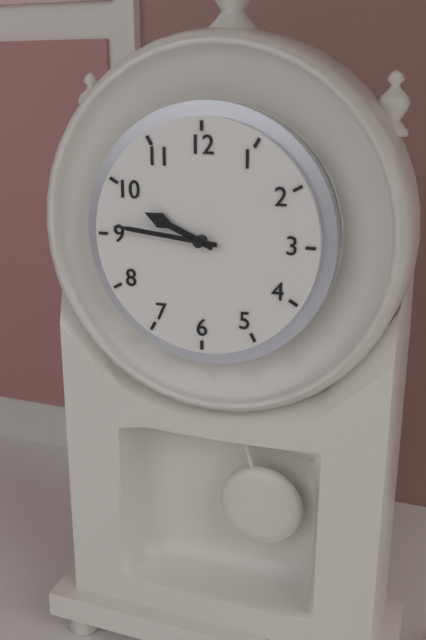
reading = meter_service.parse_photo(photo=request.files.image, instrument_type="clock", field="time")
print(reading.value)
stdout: 9:46
